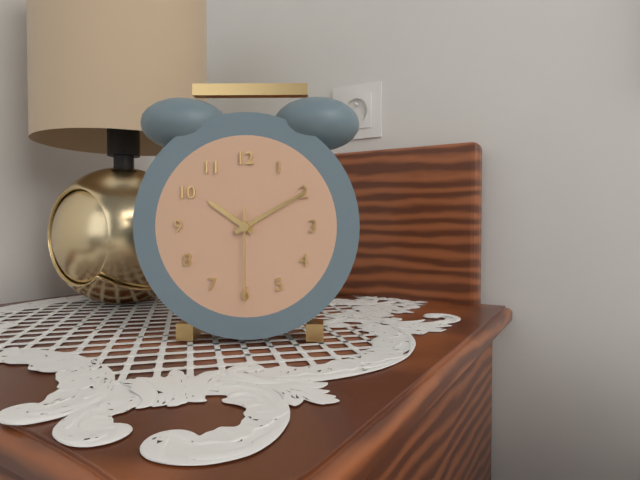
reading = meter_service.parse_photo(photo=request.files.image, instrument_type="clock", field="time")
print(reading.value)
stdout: 10:10:30
